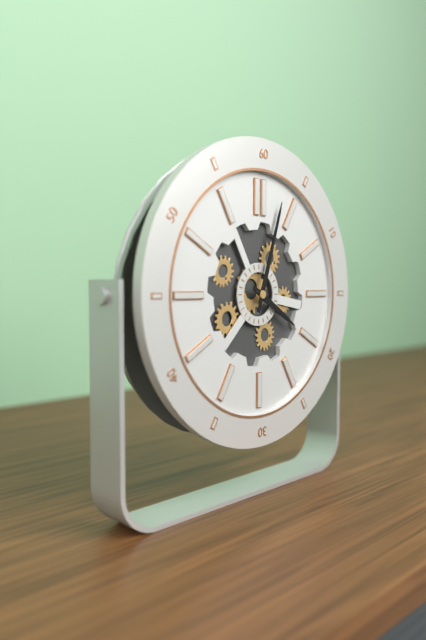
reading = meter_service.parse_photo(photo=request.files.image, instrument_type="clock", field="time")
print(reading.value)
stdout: 4:03
